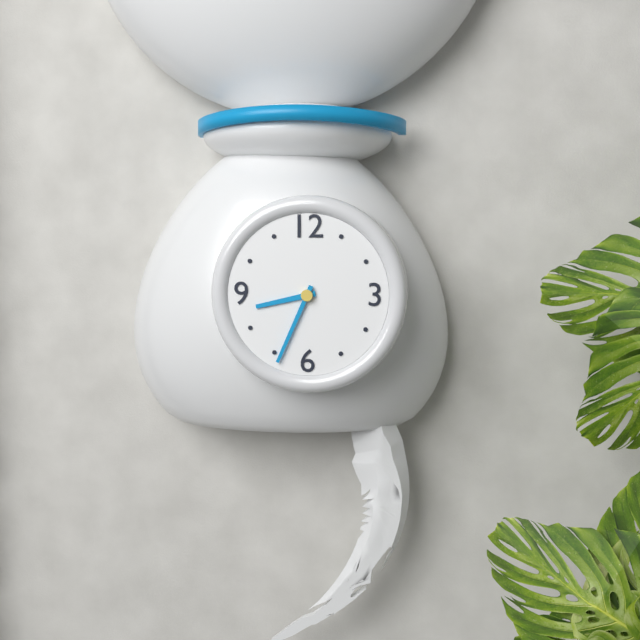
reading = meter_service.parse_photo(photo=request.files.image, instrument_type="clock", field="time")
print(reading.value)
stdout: 8:34
